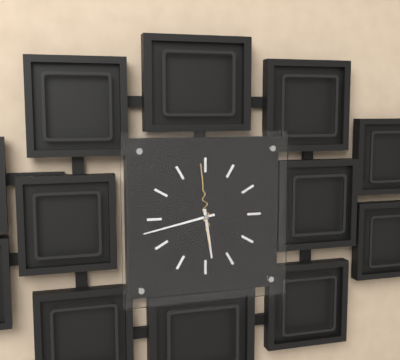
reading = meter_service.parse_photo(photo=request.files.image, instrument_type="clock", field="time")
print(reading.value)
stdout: 5:43:59
